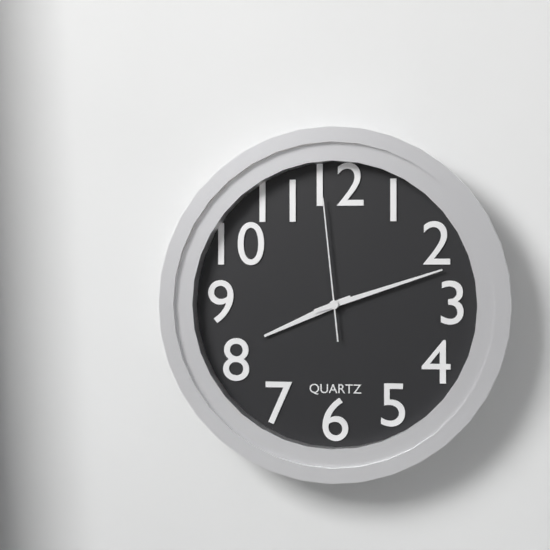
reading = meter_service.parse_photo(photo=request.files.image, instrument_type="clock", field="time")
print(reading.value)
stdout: 8:12:59
